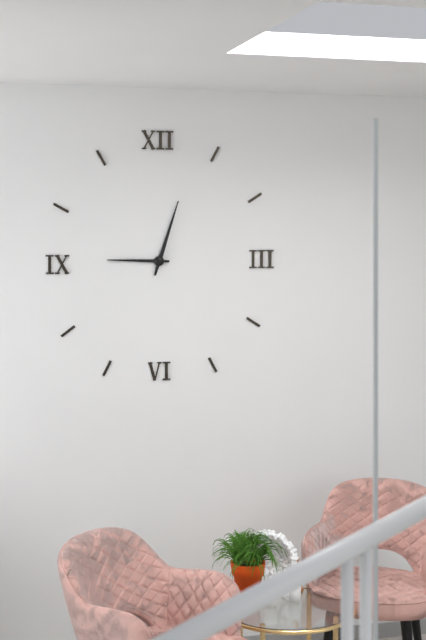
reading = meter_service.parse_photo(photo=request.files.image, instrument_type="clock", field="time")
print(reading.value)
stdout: 9:03
